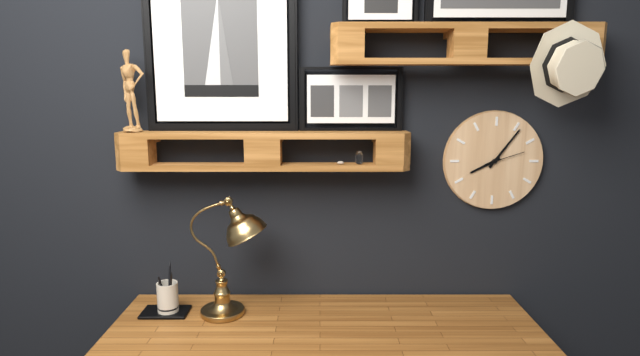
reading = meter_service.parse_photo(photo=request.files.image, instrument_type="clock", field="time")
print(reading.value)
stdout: 8:06
